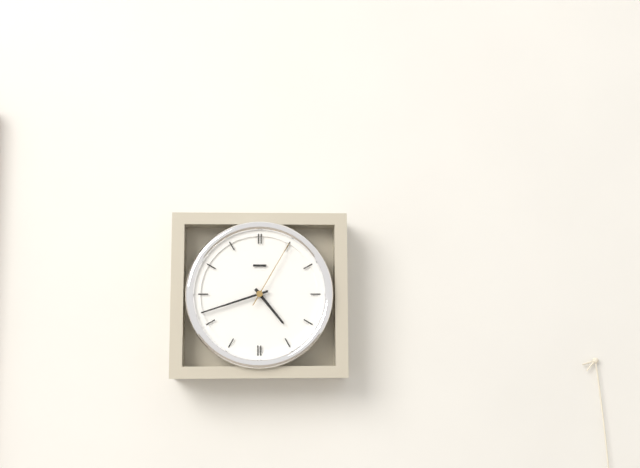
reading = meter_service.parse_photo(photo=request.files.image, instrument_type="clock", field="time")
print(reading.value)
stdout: 4:42:05
